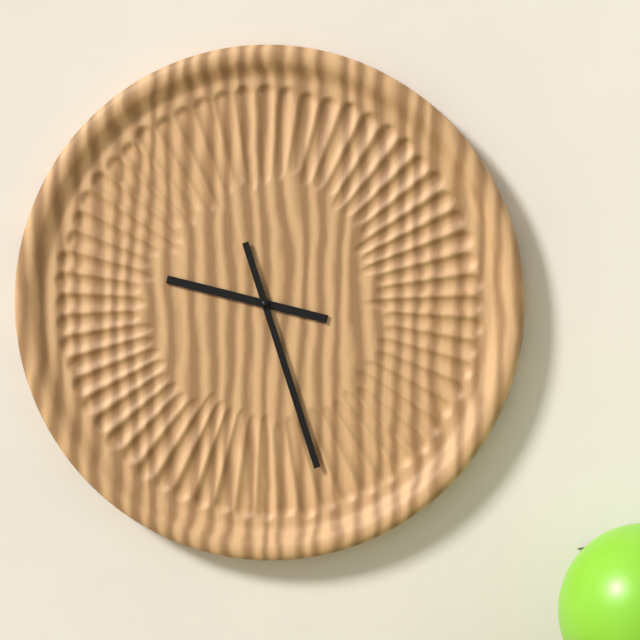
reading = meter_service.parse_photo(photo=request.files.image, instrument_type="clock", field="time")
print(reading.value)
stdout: 9:27
